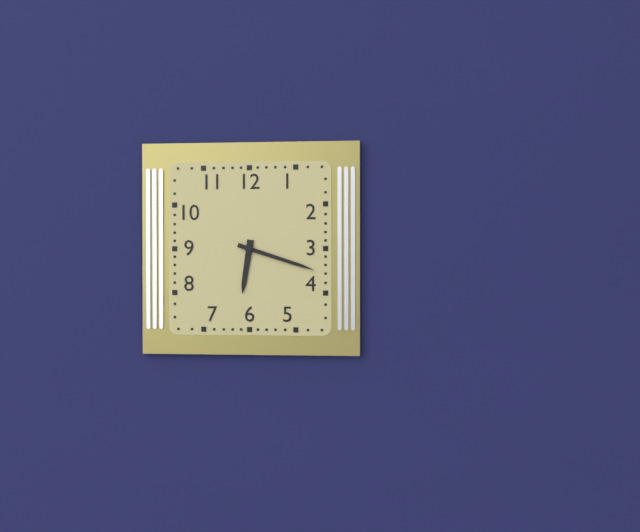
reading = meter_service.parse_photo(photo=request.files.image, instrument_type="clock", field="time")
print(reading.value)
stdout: 6:18
